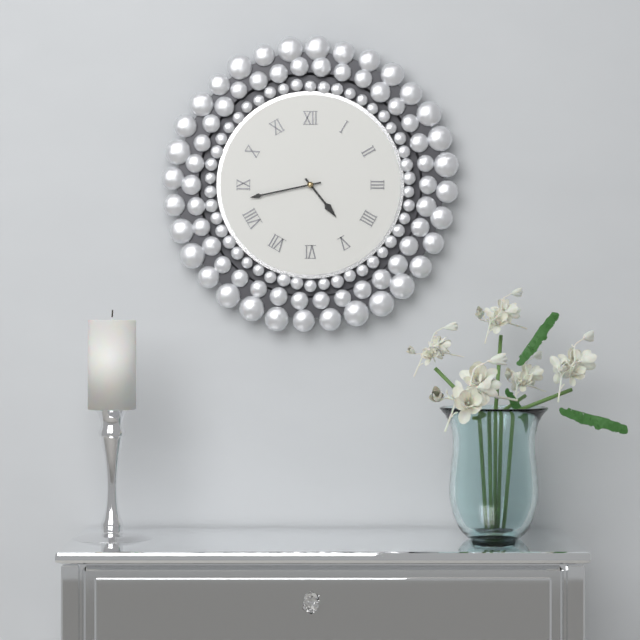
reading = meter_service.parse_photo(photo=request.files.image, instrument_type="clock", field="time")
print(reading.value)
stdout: 4:43
